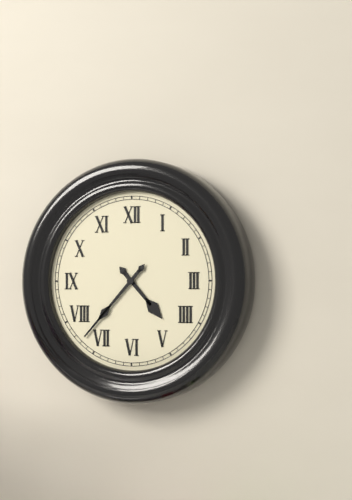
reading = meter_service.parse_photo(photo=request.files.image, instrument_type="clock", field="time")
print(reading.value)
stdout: 4:37
